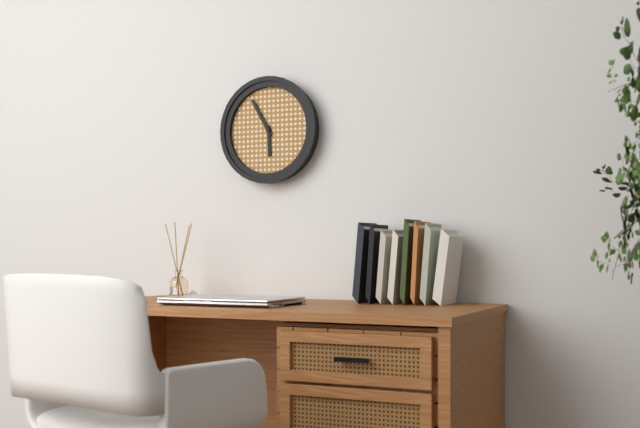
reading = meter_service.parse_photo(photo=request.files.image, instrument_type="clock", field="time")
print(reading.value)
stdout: 5:55
